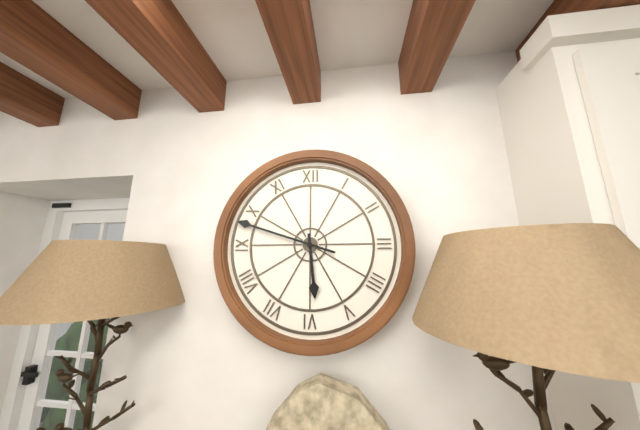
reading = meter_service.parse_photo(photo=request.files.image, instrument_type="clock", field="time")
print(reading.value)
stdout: 5:48
